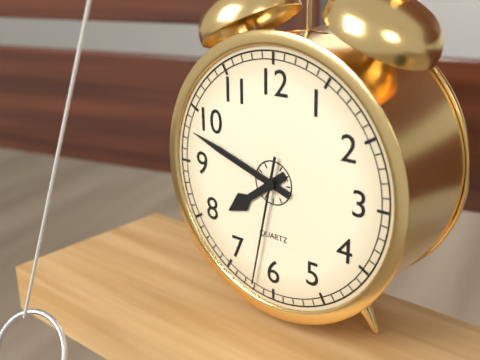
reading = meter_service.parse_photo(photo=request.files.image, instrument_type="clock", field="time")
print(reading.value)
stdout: 7:48:32
